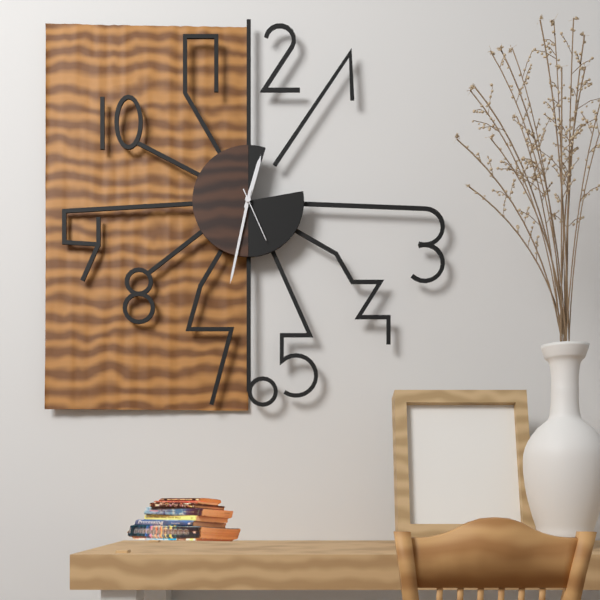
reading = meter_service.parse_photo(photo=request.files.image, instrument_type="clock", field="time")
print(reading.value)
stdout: 12:32
